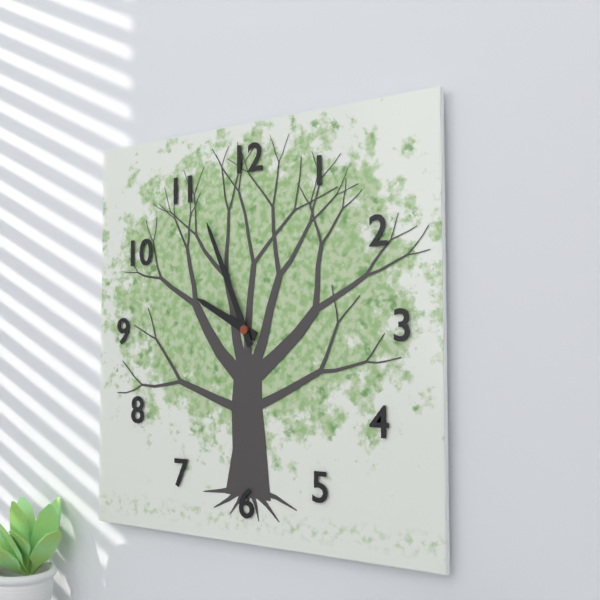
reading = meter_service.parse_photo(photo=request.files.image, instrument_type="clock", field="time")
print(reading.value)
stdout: 9:56
